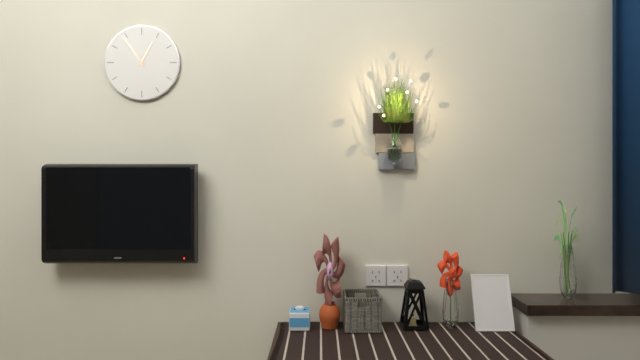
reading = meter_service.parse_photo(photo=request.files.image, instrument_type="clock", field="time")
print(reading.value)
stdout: 12:54
